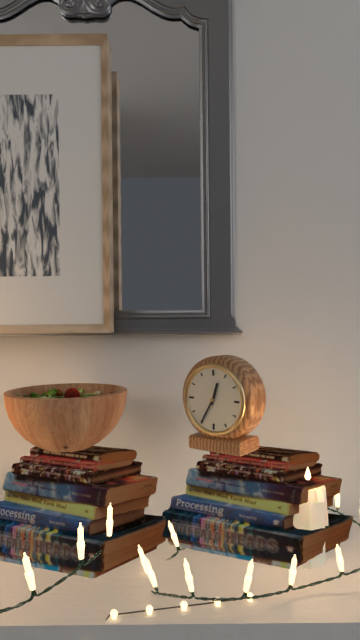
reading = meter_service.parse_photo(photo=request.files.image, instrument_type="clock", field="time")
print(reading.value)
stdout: 12:35
